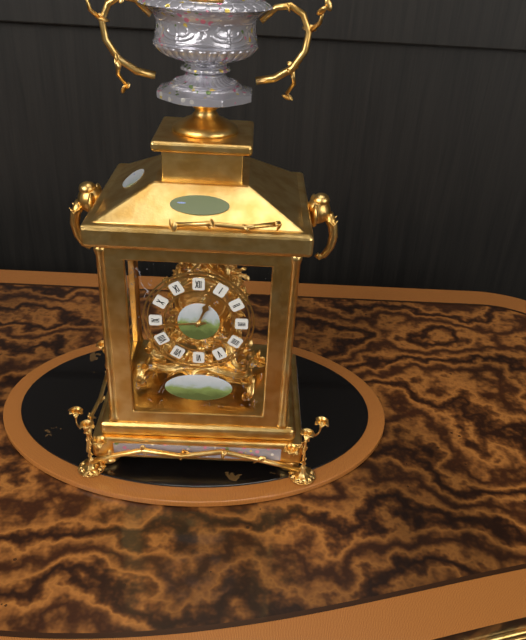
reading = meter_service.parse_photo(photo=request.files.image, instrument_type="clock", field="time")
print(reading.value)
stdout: 12:44
